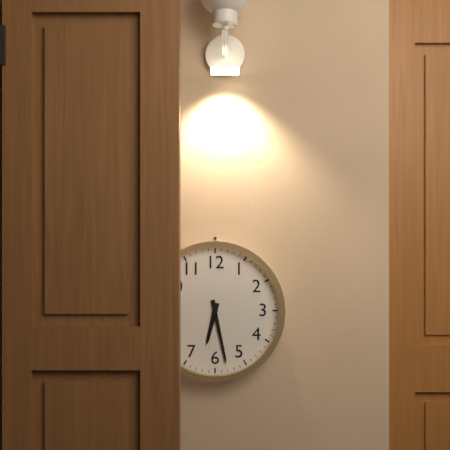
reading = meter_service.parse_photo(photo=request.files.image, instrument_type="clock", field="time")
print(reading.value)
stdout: 6:28
